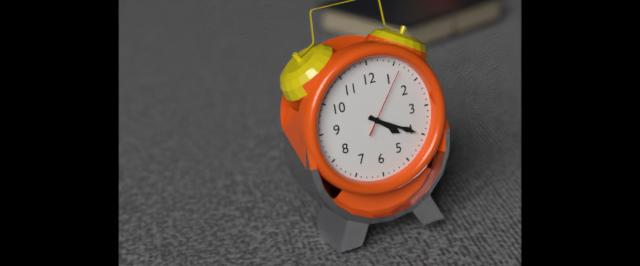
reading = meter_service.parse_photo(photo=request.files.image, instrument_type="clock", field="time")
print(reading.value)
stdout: 4:20:06
